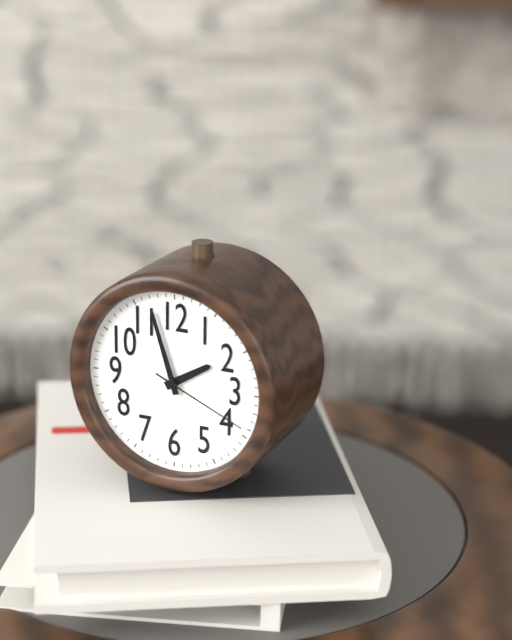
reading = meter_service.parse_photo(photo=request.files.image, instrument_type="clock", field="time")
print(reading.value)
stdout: 1:57:19
